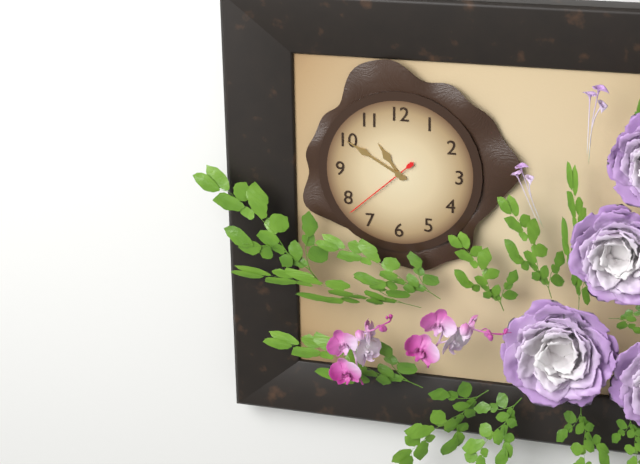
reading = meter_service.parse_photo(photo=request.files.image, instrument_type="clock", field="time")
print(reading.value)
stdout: 10:50:38
